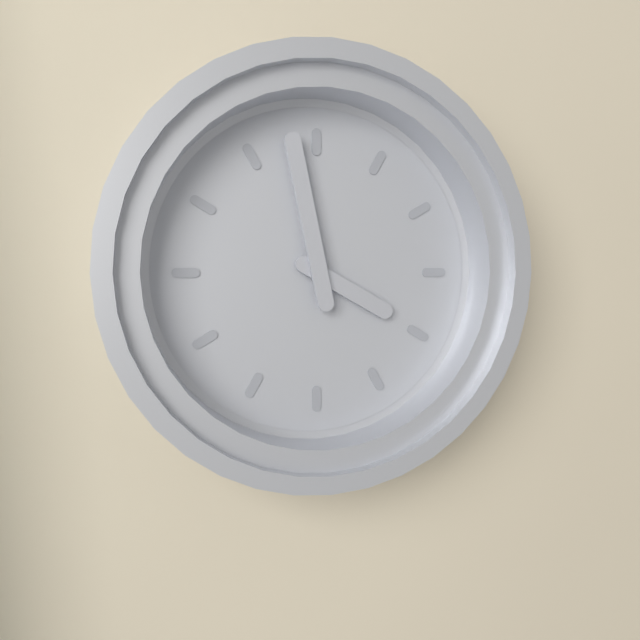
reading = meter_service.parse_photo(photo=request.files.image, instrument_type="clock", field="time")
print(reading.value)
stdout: 3:58
